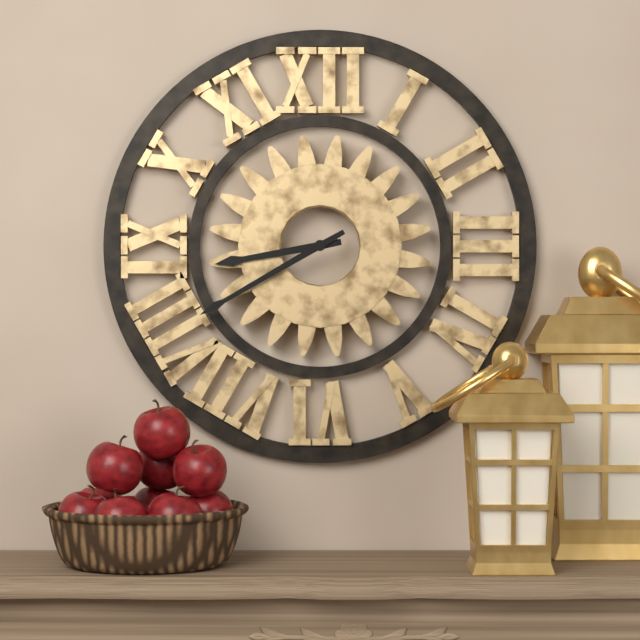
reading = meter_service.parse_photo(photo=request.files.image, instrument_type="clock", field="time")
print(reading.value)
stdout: 8:40
